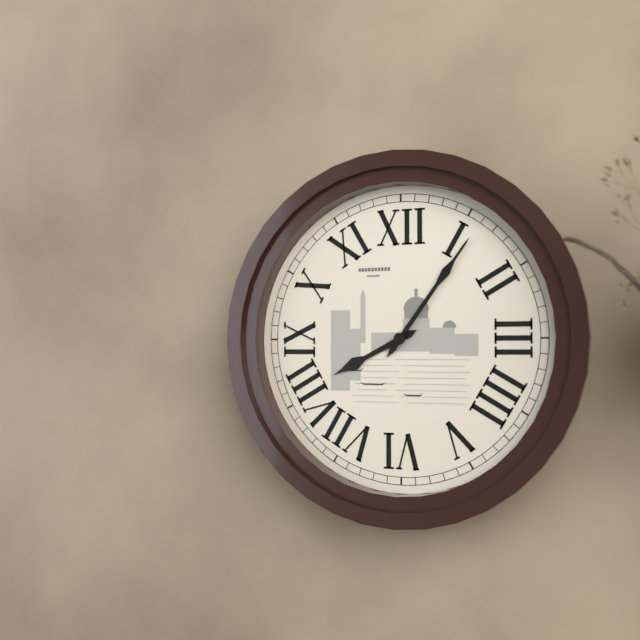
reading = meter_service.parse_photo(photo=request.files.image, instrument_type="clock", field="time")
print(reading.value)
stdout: 8:06
